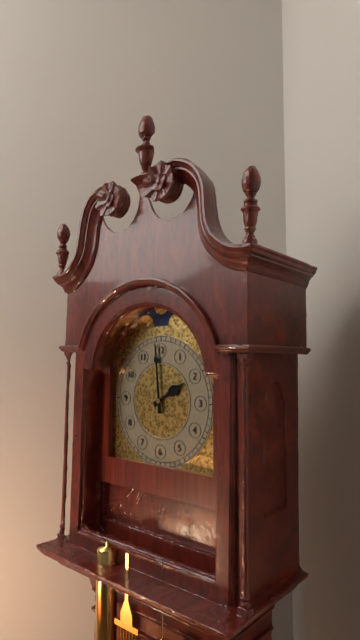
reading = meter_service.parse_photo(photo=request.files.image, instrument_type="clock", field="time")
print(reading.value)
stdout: 1:59
